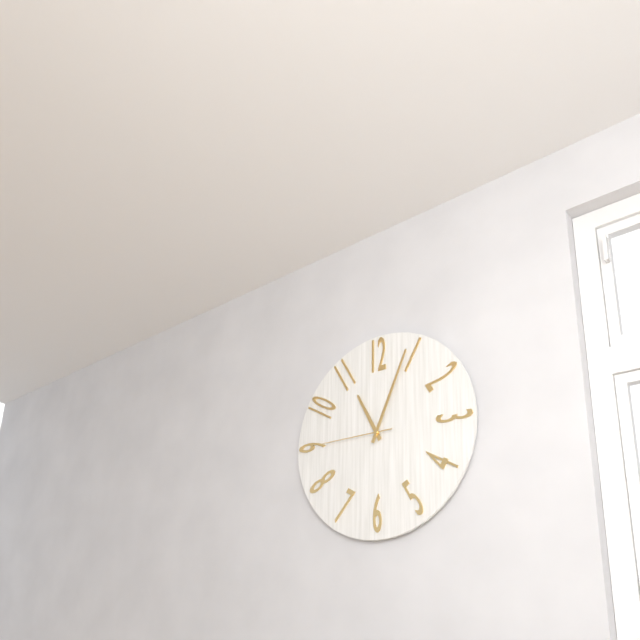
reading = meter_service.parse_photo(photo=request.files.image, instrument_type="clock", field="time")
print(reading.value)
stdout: 11:04:45
